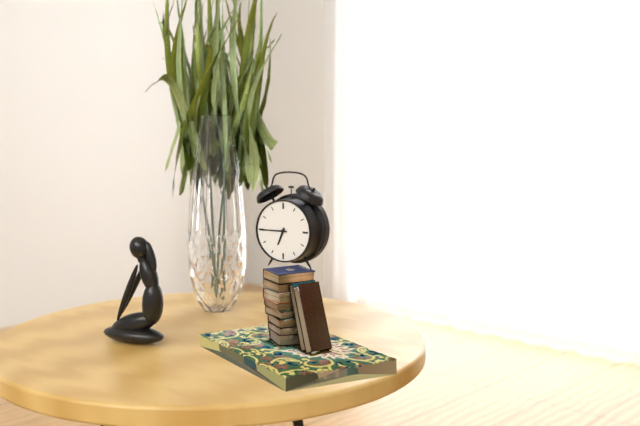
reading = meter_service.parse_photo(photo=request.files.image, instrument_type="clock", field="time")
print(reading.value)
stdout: 6:45
